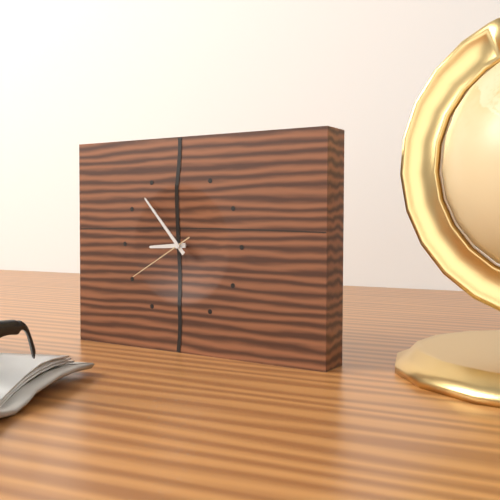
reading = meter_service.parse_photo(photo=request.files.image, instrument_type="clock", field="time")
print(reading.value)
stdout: 8:53:40
